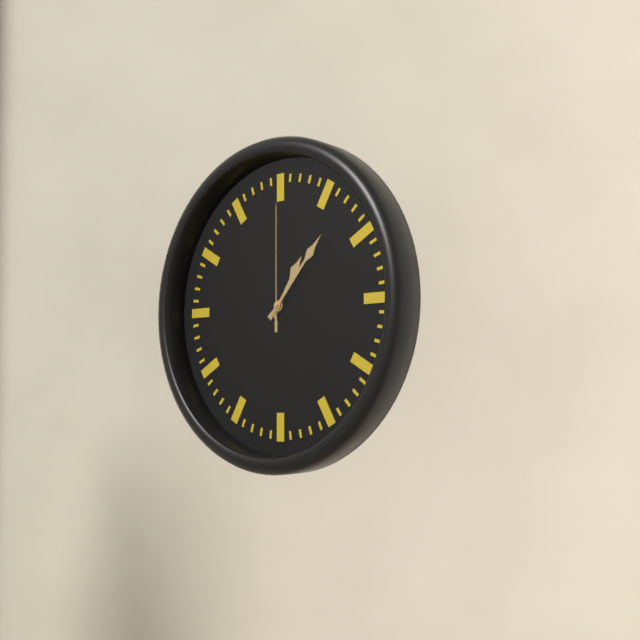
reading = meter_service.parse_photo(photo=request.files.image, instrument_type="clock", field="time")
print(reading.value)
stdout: 1:07:00
